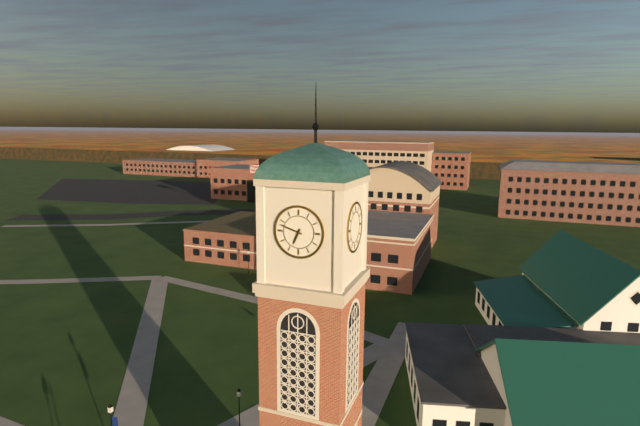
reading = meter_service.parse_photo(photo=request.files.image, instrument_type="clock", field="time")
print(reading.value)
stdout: 6:48
